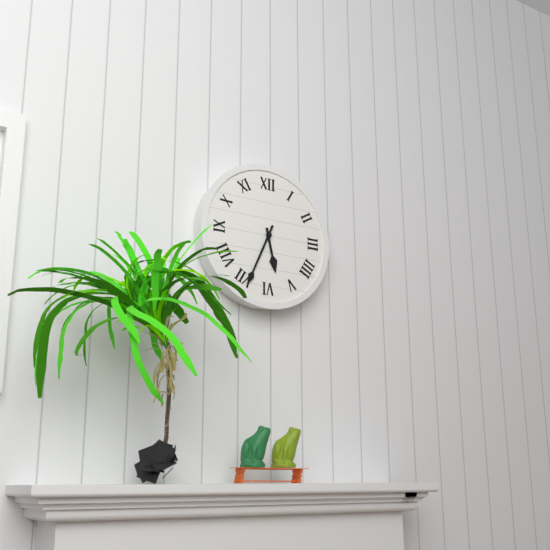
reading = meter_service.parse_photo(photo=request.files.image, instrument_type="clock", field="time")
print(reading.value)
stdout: 5:34
